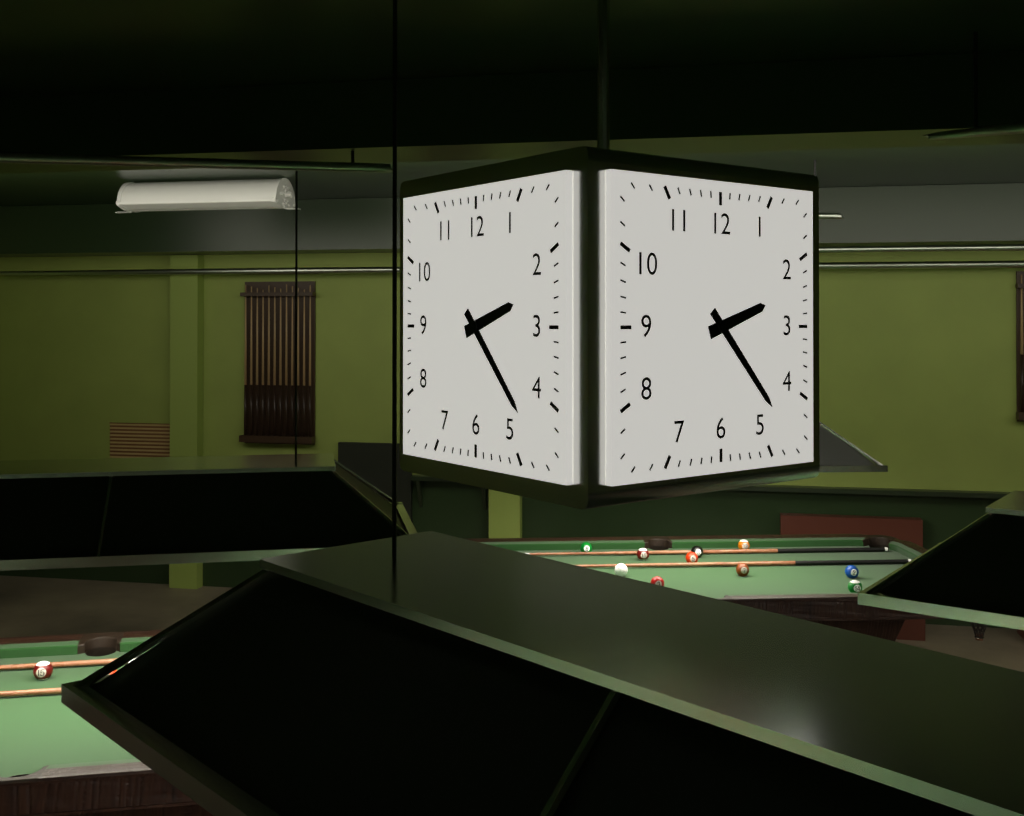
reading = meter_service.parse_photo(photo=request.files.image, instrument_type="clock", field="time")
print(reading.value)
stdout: 2:23
